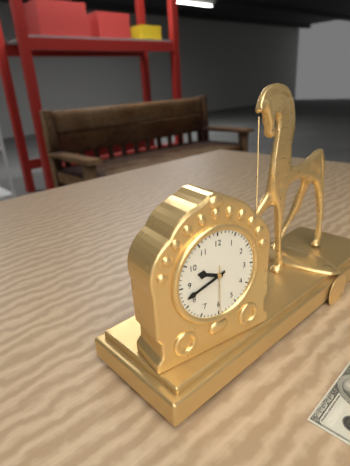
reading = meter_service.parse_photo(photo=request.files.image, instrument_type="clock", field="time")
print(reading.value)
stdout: 9:42
